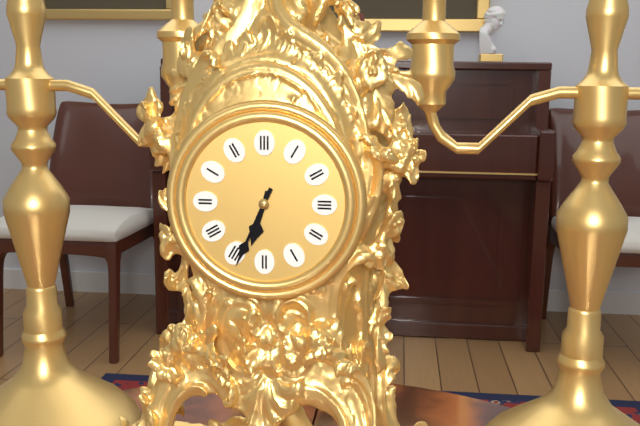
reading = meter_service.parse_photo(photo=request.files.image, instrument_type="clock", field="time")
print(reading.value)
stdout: 6:34
